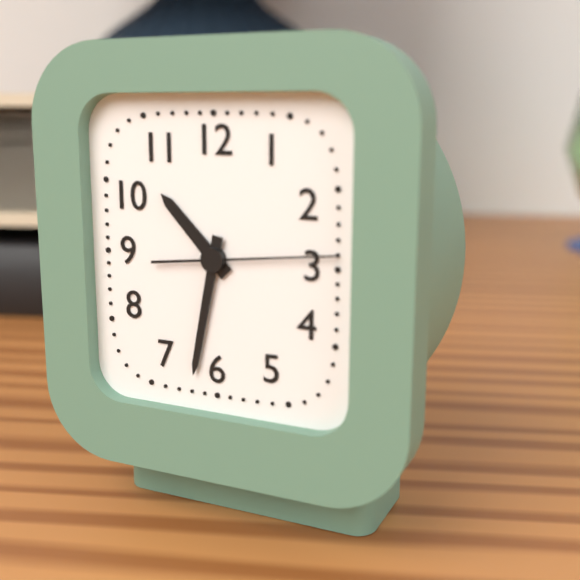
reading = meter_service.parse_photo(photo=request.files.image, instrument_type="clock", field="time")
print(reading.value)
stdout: 10:32:14
